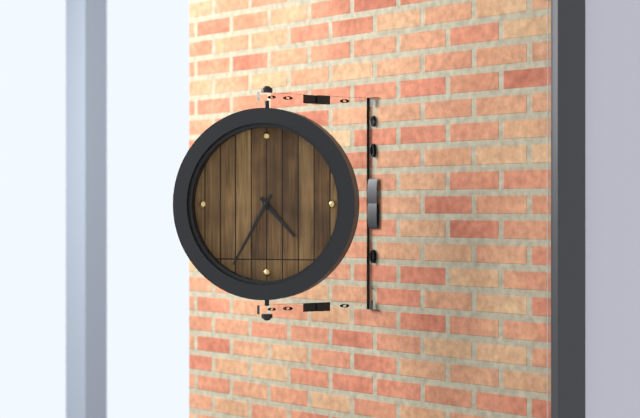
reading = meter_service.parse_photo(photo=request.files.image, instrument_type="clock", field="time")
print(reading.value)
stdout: 4:35
